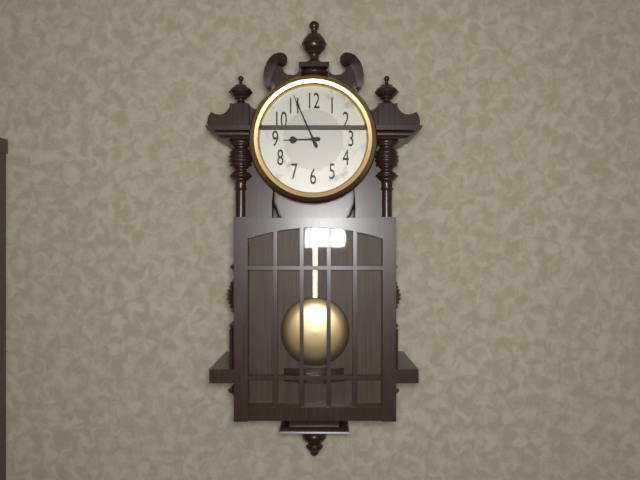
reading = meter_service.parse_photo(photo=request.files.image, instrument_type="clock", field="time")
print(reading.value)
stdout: 8:56
